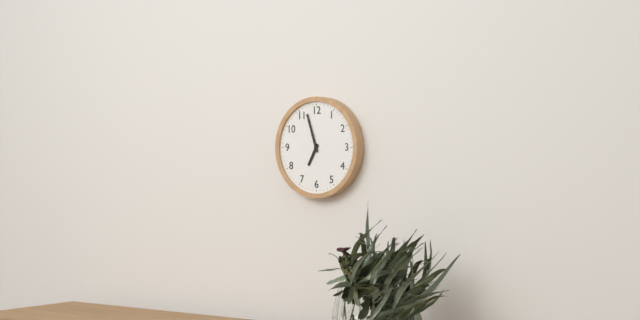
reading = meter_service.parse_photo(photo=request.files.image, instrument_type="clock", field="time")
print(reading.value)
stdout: 6:57
